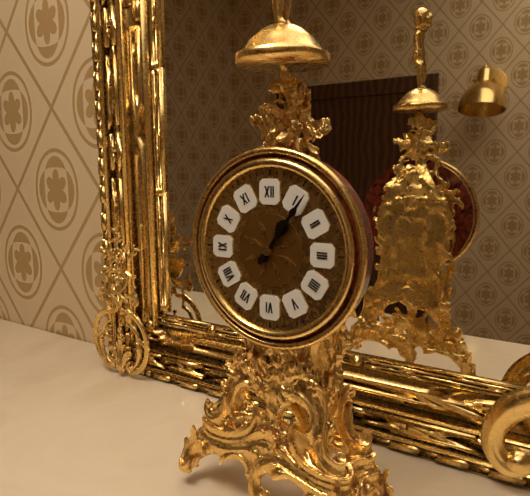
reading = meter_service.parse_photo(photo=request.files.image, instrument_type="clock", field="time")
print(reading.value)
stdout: 1:06
